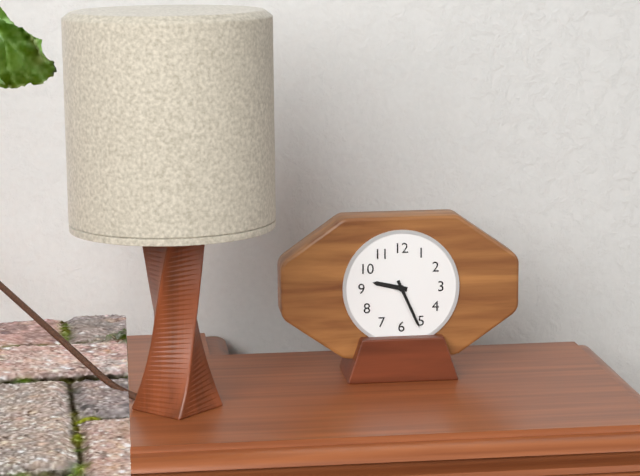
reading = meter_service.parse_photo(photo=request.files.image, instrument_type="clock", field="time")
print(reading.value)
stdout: 9:26
